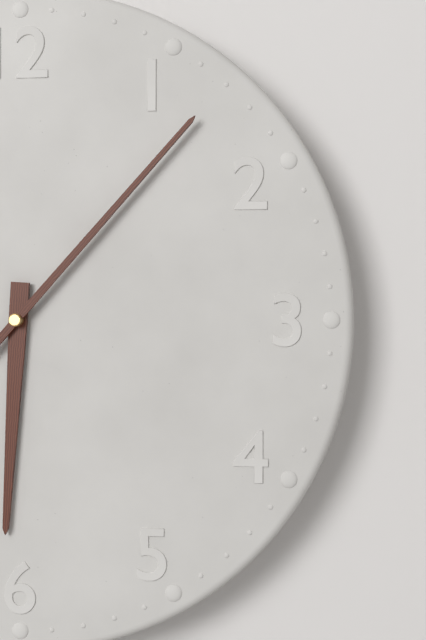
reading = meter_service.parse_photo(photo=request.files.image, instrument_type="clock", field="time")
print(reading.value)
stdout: 6:07
